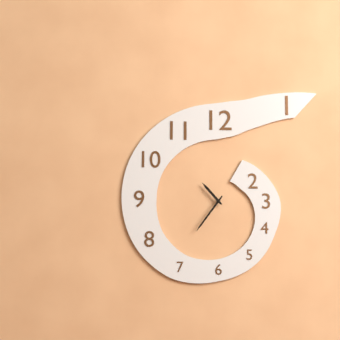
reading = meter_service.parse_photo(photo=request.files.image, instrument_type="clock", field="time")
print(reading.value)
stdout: 10:36
